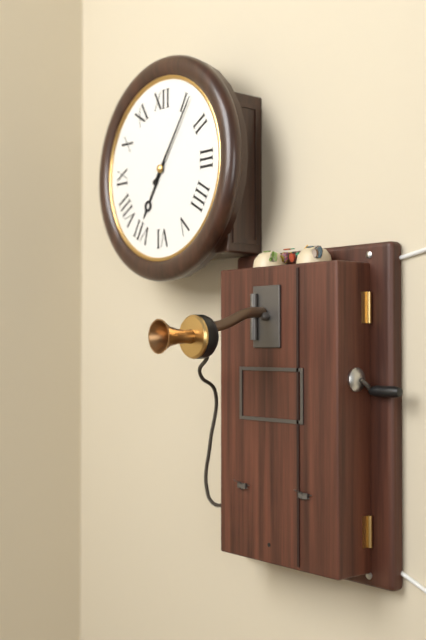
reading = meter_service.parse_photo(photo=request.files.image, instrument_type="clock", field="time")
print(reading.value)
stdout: 7:06
